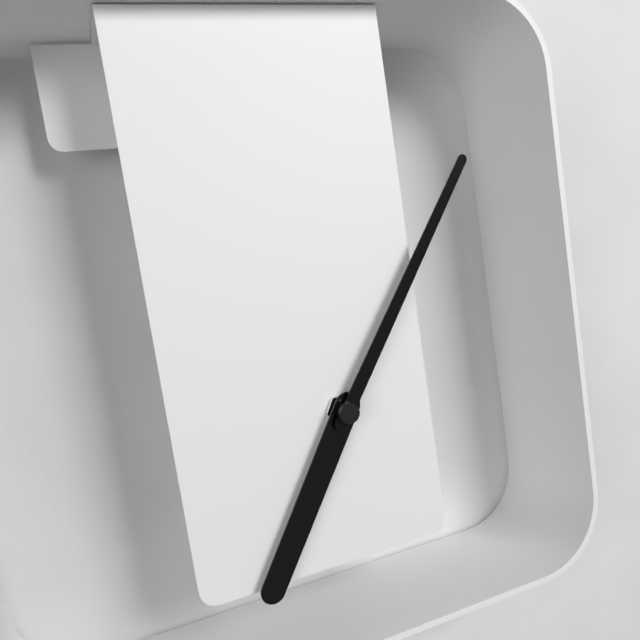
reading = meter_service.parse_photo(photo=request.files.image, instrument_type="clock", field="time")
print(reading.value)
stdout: 7:06
